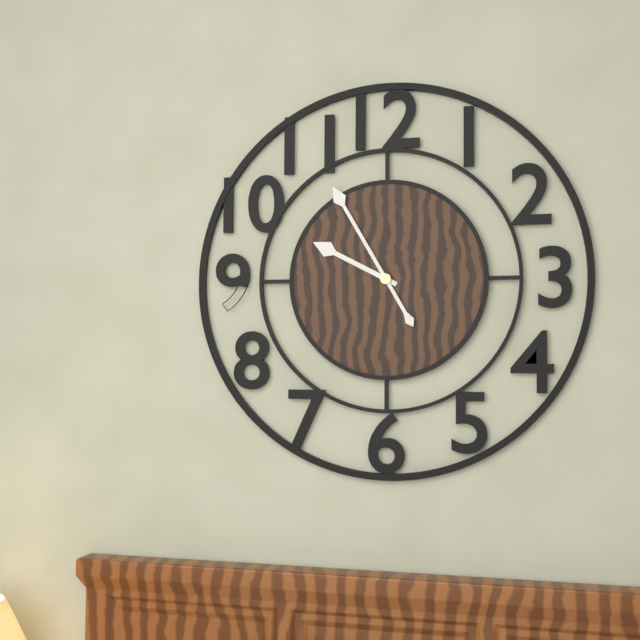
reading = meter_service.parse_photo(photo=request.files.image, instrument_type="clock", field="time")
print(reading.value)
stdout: 9:55
